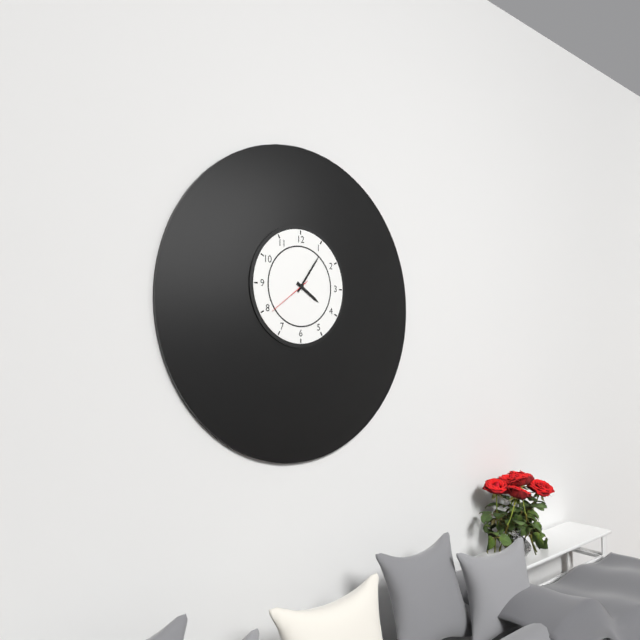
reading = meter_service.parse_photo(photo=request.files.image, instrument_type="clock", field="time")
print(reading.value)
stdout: 4:06
